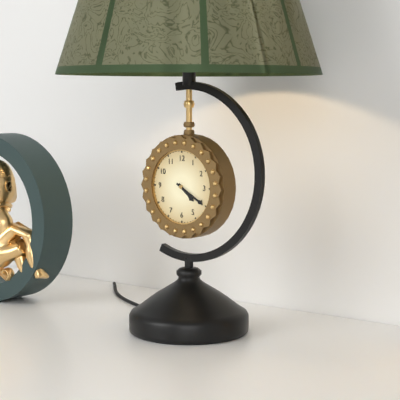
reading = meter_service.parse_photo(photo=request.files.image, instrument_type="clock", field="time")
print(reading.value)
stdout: 4:20
